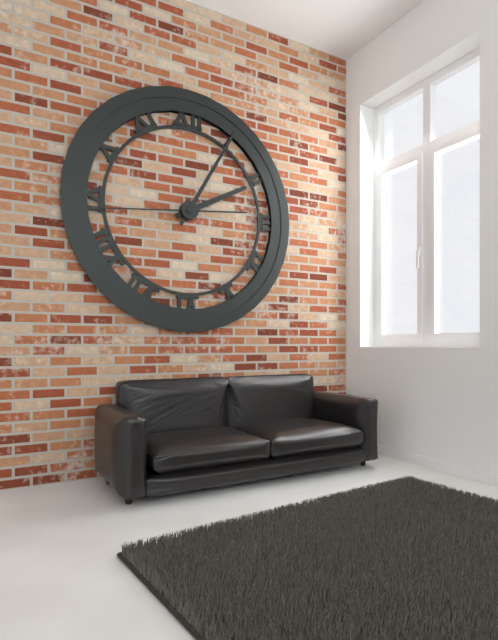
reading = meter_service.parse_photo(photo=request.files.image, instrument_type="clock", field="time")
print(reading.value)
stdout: 2:05:44
